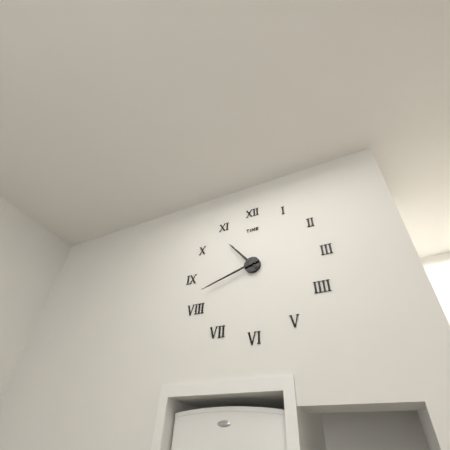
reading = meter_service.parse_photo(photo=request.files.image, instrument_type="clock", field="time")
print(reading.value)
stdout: 10:42
